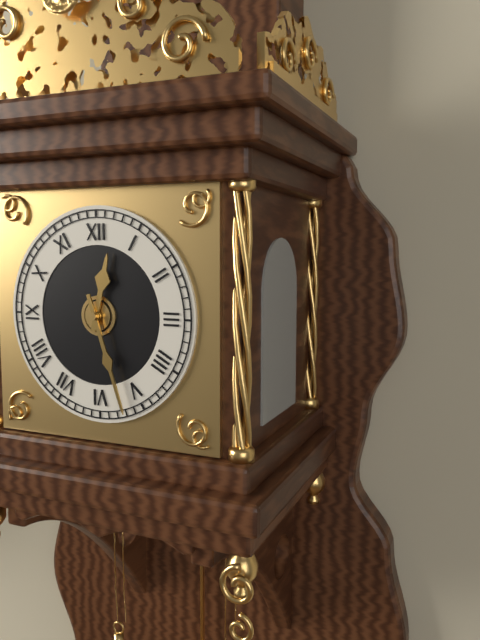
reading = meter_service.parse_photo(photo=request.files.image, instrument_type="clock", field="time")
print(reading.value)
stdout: 12:27
